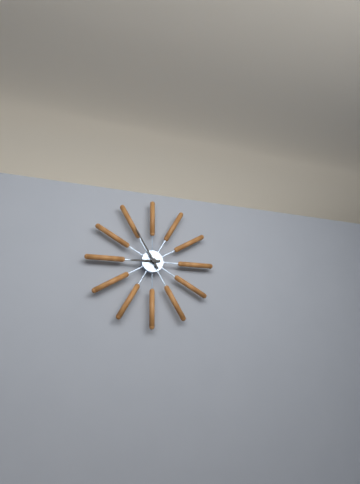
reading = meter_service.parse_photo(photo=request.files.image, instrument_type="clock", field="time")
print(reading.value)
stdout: 8:55
